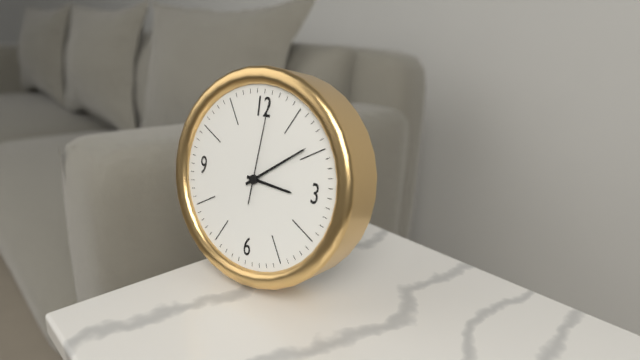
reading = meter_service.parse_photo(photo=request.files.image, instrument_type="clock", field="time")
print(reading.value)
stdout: 3:09:01
